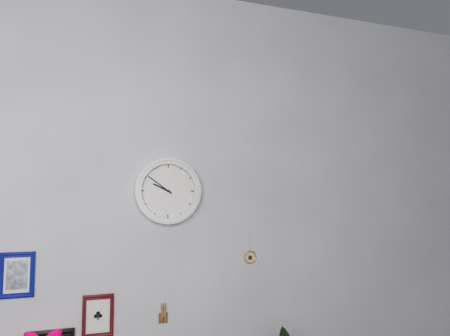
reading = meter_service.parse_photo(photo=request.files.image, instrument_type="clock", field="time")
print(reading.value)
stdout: 9:51
